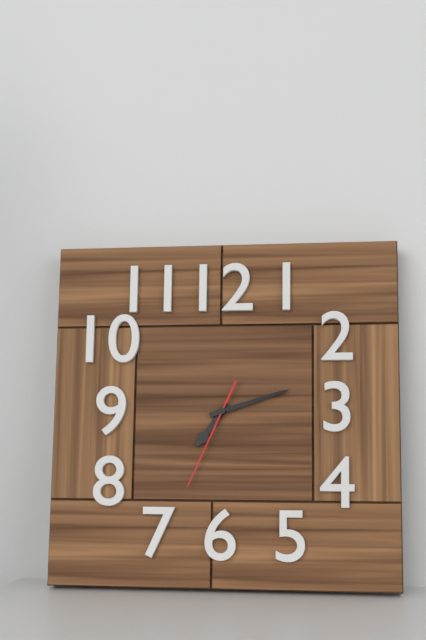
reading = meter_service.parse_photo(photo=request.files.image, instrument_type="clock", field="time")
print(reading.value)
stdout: 7:12:34
